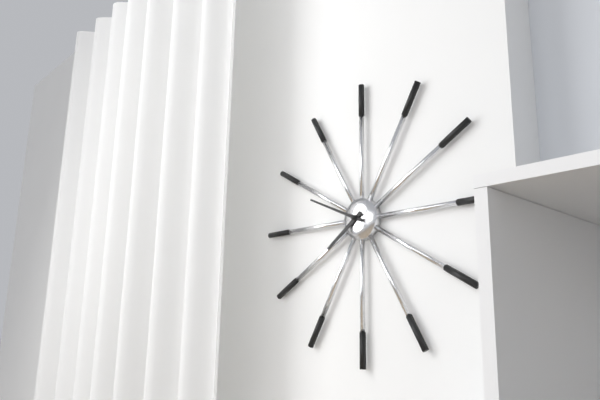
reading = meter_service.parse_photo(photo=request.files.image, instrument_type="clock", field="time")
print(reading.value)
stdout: 7:49
